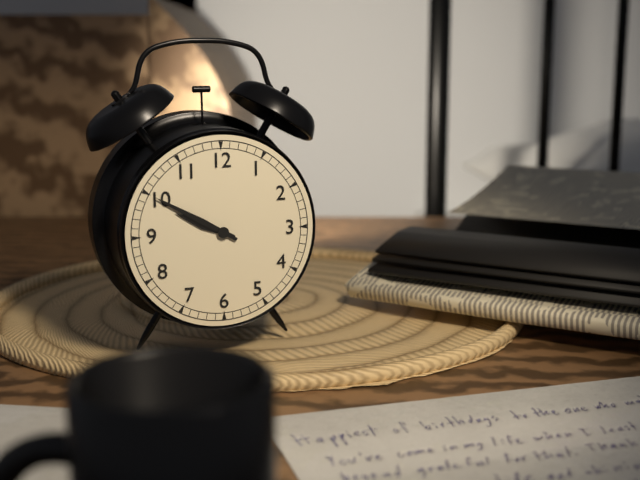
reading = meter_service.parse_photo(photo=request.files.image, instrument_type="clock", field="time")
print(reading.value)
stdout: 9:50
